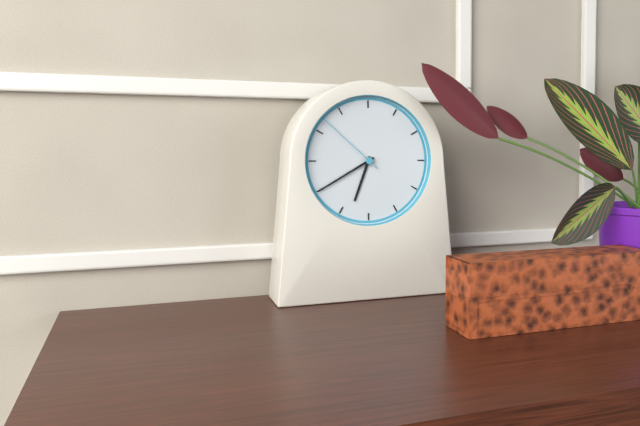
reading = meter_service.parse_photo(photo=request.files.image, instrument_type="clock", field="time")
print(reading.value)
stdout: 6:40:52
